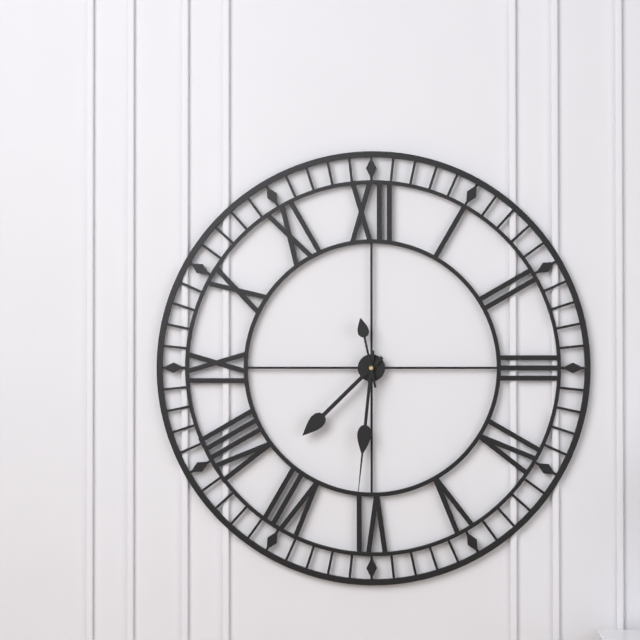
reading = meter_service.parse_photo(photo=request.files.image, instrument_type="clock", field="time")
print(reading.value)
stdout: 7:31:58
